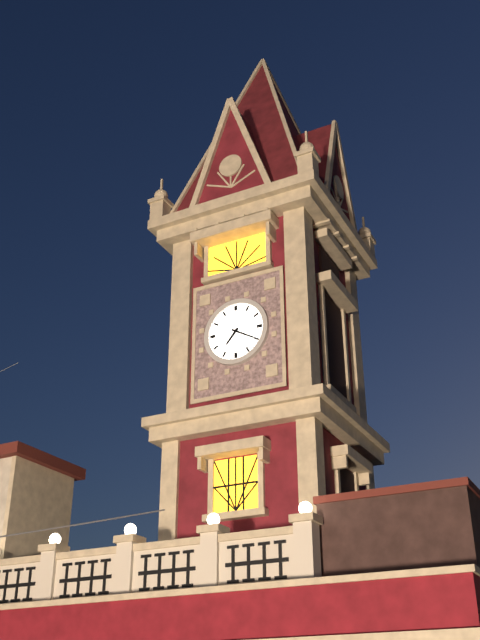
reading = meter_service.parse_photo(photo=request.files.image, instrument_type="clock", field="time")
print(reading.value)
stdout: 7:20
